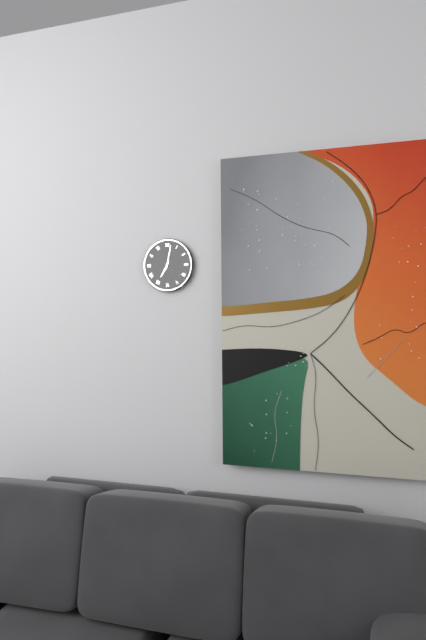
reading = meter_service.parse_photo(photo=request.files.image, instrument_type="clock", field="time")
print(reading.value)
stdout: 7:02
